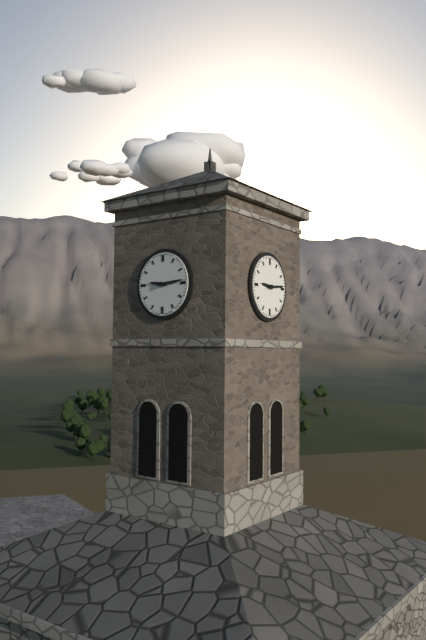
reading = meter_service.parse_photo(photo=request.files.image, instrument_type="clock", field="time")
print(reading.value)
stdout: 9:14
